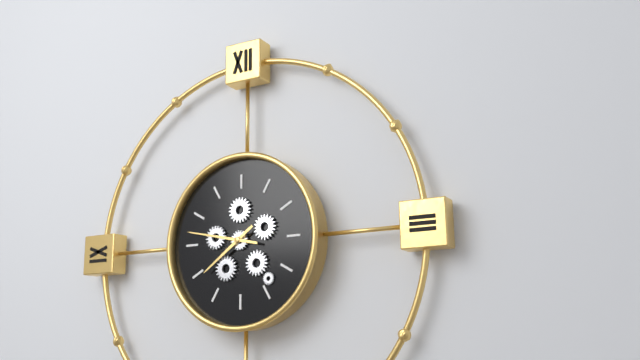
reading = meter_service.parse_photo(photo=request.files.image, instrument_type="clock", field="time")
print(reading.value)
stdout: 7:47
